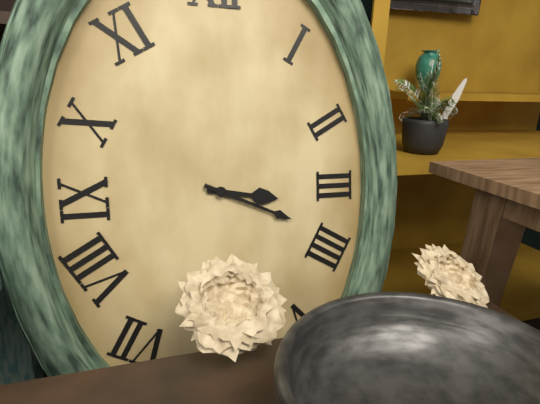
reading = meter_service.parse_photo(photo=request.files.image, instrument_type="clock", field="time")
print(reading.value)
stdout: 3:19
